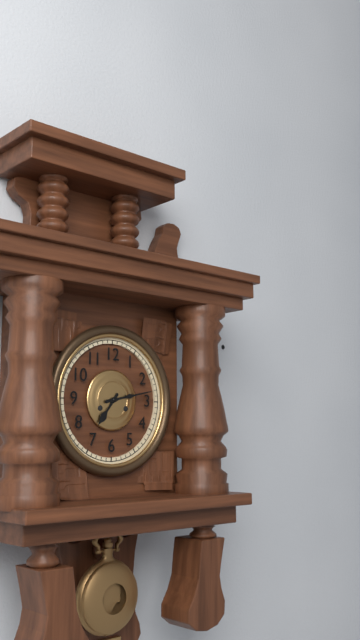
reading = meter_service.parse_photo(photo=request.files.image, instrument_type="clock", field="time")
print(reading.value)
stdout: 7:13
